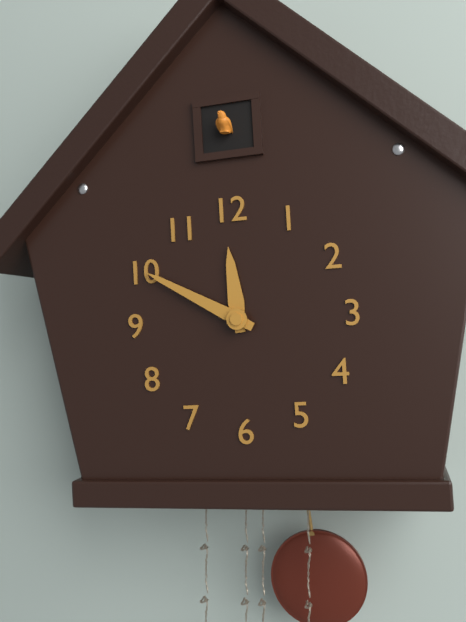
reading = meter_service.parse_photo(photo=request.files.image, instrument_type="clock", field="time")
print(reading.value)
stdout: 11:50
